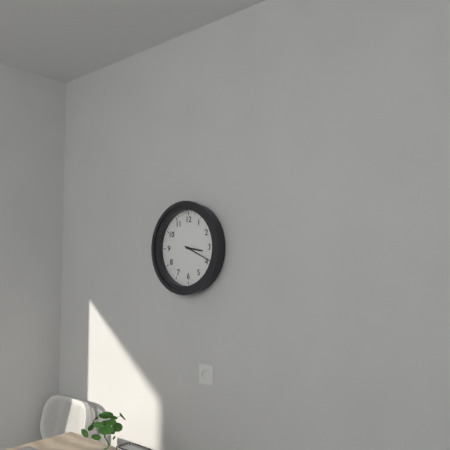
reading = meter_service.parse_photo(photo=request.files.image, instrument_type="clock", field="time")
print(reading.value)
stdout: 3:19
